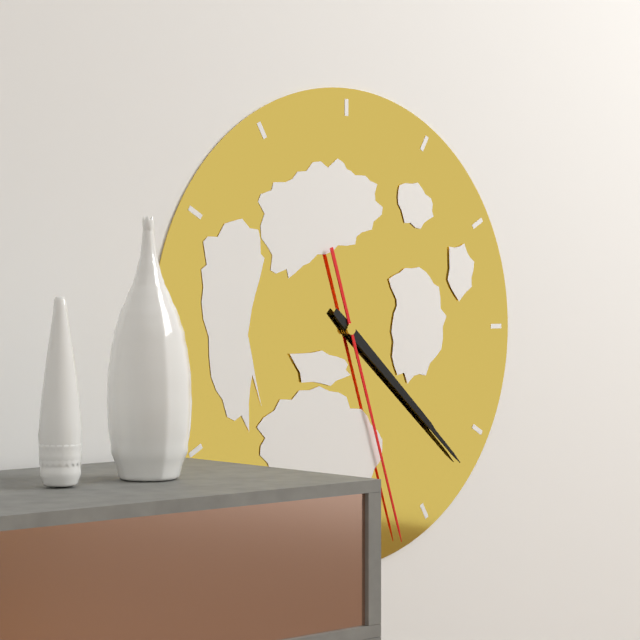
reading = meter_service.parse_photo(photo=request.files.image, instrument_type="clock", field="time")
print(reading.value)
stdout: 4:22:27
